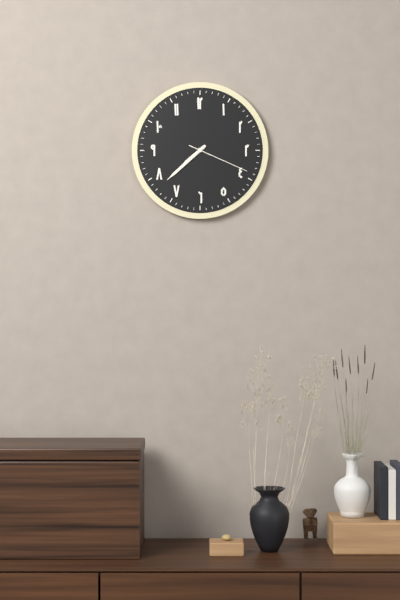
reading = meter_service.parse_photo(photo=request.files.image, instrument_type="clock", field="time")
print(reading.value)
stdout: 7:38:19
